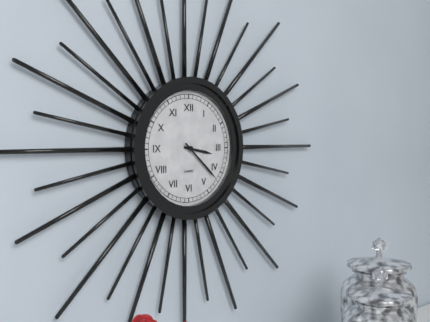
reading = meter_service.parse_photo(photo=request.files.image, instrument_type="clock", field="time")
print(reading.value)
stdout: 3:22
